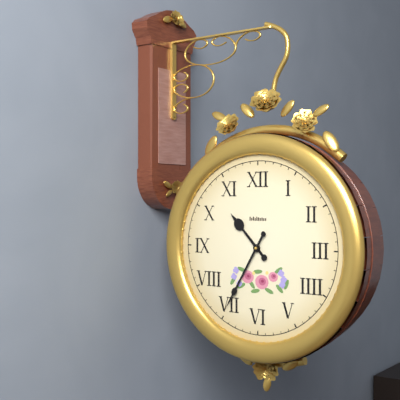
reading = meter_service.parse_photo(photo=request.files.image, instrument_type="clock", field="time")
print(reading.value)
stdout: 10:35
